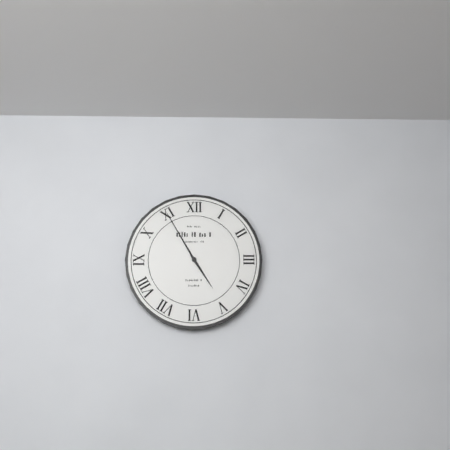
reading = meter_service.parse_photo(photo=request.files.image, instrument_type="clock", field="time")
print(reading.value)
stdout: 4:55
